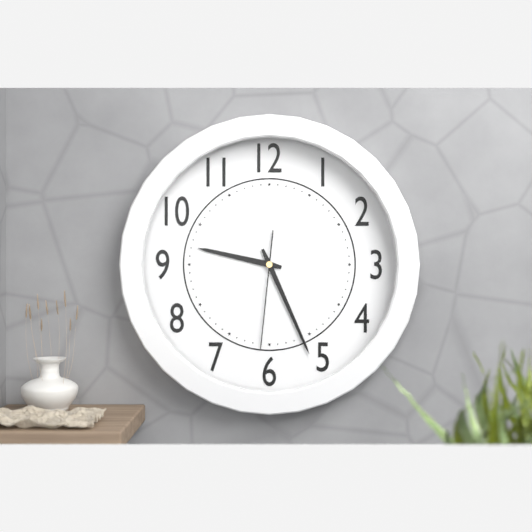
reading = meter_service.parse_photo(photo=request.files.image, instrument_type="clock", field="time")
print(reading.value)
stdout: 9:26:31
